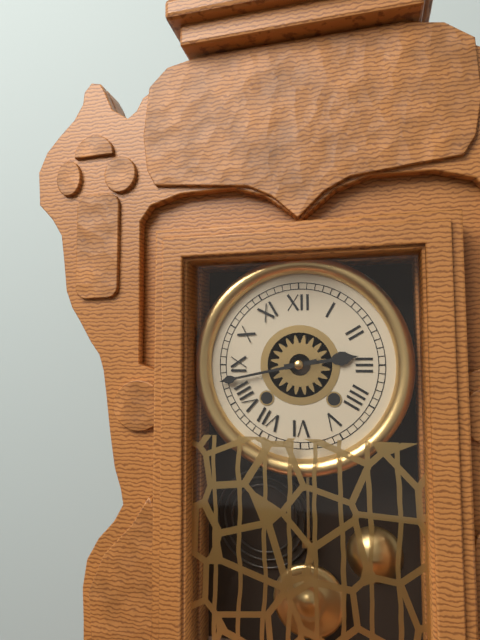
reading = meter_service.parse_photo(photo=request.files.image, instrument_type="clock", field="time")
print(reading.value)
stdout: 2:43
